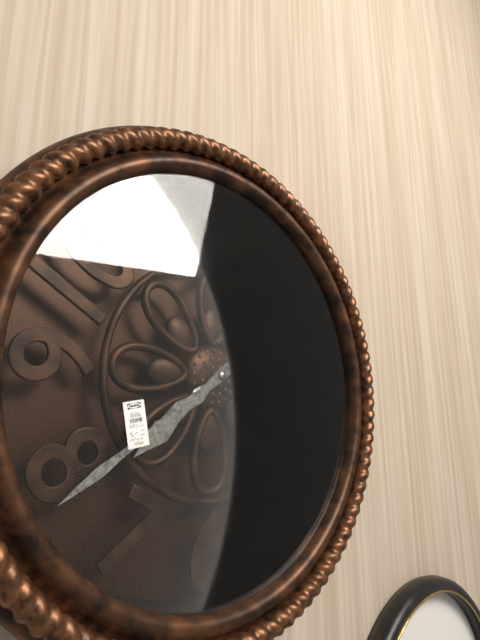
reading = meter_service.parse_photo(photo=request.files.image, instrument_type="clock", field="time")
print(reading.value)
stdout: 7:39
